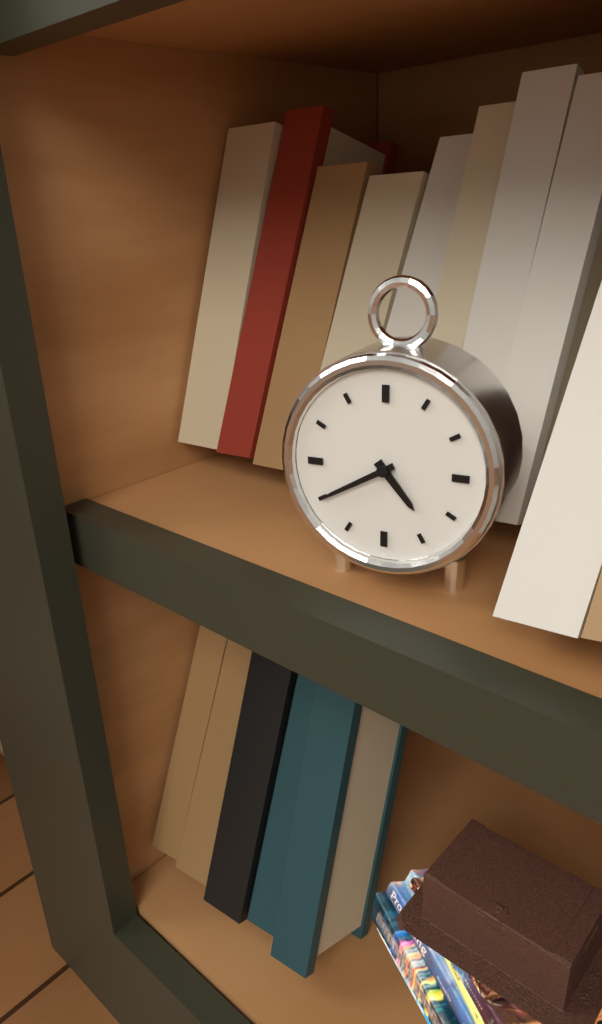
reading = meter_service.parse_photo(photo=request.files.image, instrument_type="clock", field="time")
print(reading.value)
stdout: 4:40
